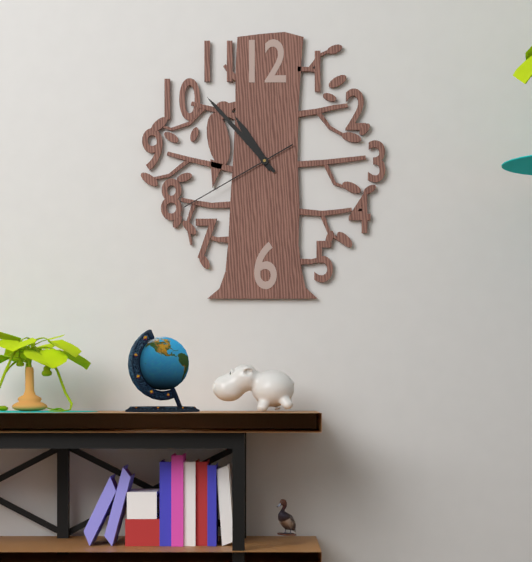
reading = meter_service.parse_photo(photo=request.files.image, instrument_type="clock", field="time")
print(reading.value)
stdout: 10:53:40
